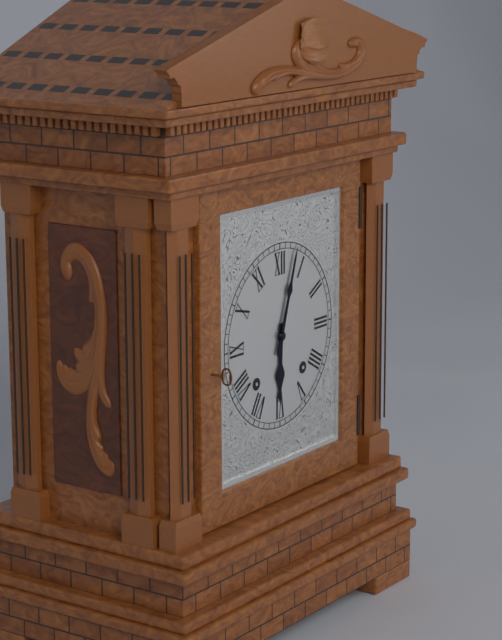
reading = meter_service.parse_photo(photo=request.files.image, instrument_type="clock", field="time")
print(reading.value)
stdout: 6:03
